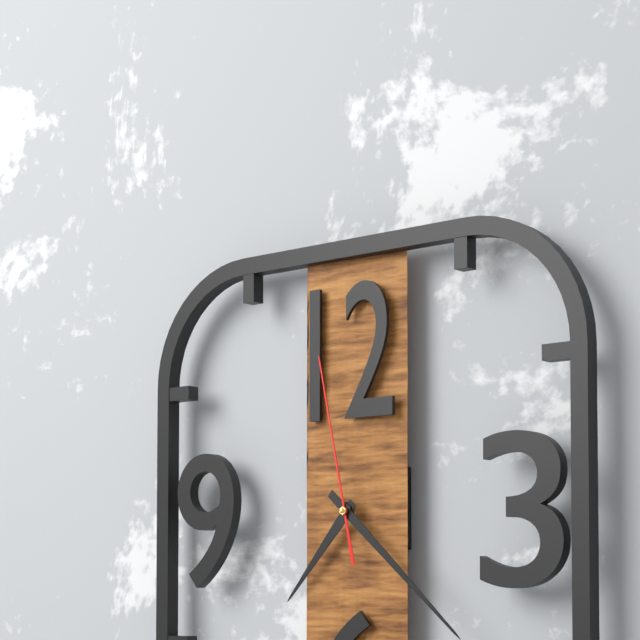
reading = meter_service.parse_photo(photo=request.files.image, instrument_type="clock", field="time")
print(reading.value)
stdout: 7:22:58
